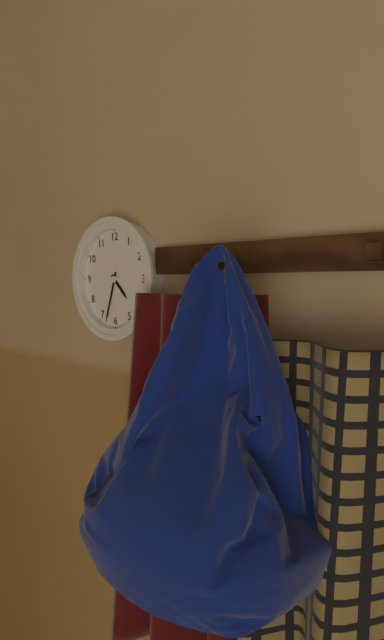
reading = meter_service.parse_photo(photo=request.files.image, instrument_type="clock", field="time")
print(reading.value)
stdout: 4:33
